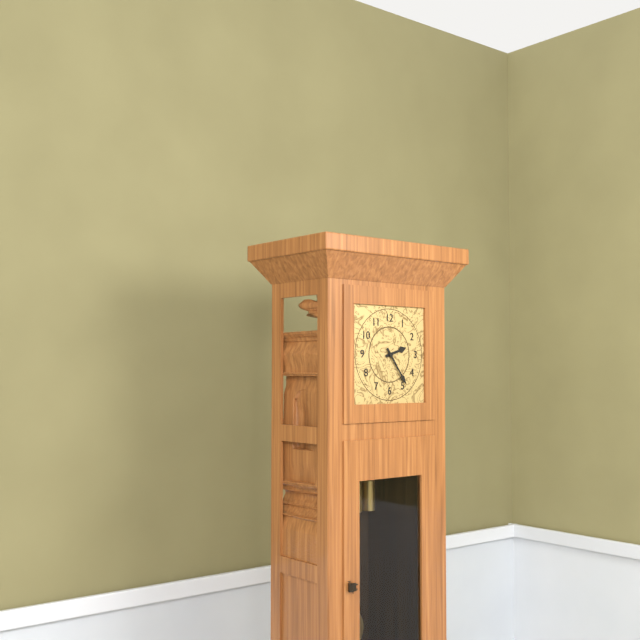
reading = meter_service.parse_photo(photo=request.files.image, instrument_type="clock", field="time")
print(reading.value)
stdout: 2:24
